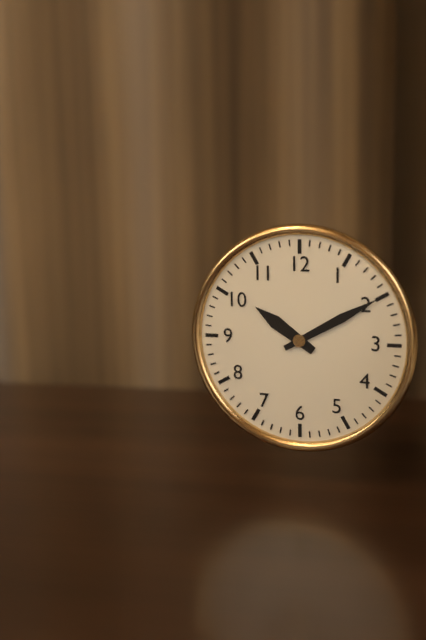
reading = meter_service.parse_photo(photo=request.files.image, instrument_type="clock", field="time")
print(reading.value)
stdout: 10:10
